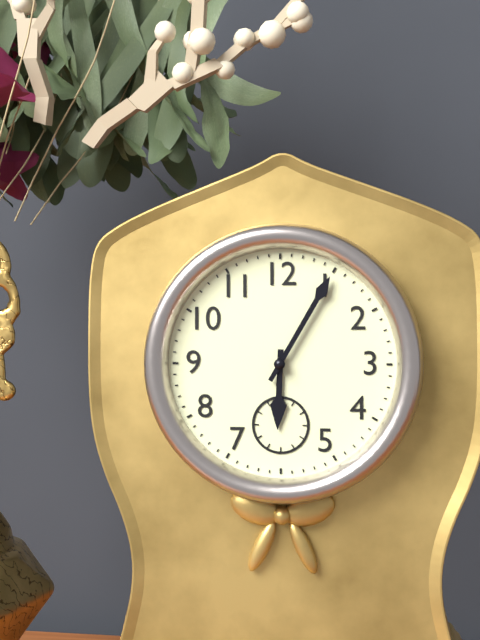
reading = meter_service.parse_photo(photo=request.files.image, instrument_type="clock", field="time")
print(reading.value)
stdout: 6:05
